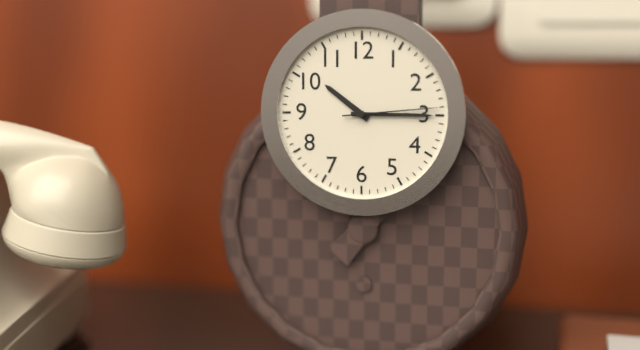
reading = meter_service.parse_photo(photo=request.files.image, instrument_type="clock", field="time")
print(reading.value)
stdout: 10:15:14
